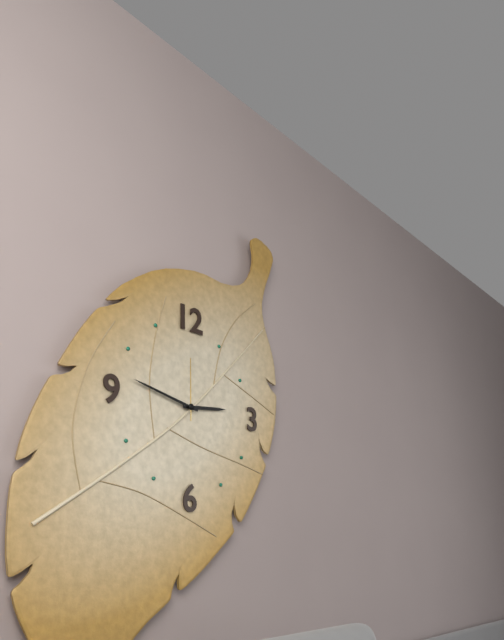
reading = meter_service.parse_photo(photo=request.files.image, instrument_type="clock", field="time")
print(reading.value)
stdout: 2:47:00
